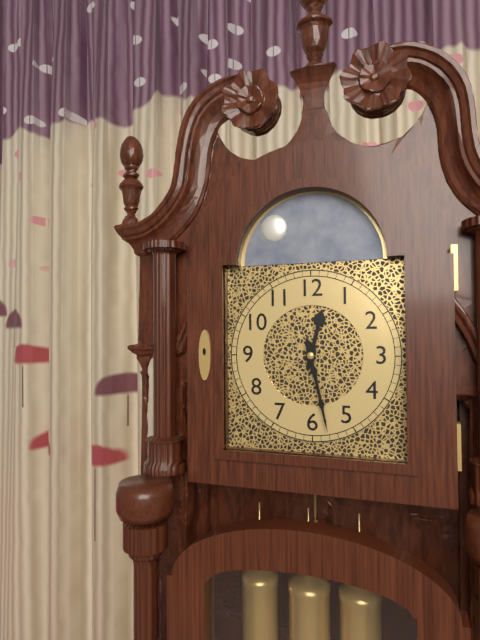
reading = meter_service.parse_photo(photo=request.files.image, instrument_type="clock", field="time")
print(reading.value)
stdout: 12:28
